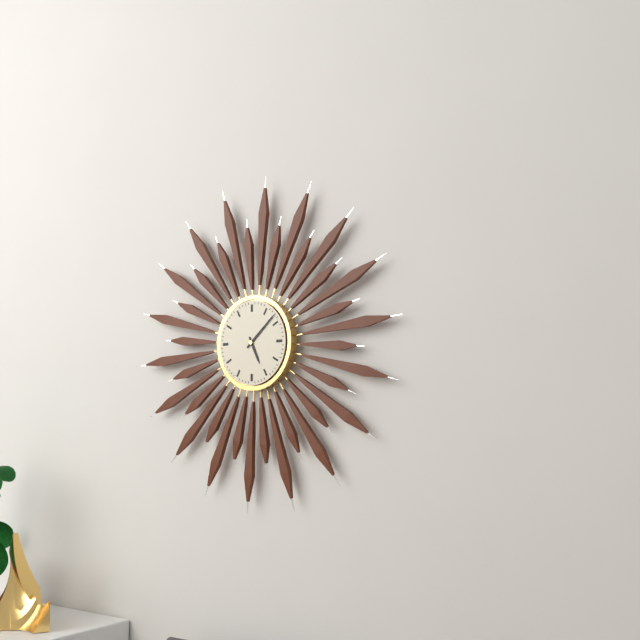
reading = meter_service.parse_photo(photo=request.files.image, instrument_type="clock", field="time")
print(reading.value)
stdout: 5:08
